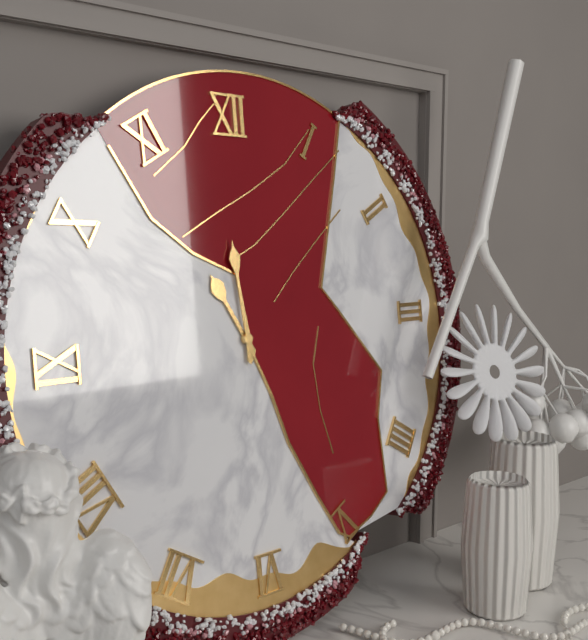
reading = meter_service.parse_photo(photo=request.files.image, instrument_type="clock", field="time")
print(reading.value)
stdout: 10:59
